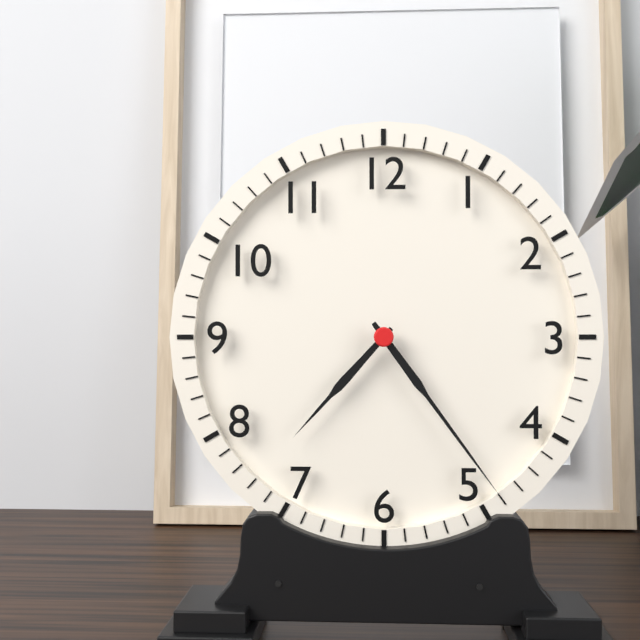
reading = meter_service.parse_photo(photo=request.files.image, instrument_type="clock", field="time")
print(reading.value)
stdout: 7:24
